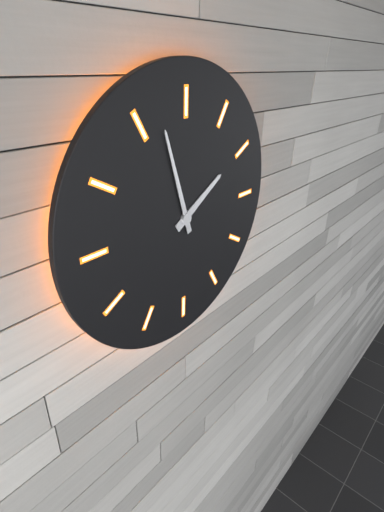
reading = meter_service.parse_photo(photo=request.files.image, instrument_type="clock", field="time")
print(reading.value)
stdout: 1:57
